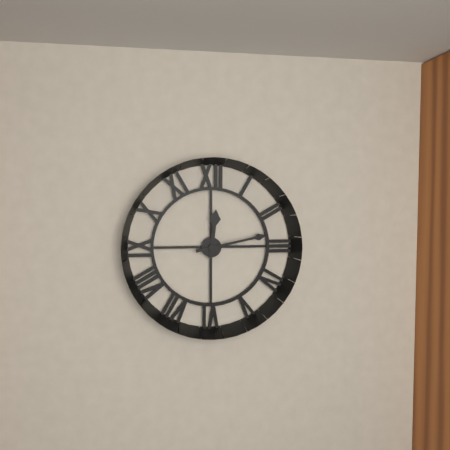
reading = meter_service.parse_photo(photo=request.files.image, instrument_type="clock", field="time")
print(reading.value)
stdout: 12:13
